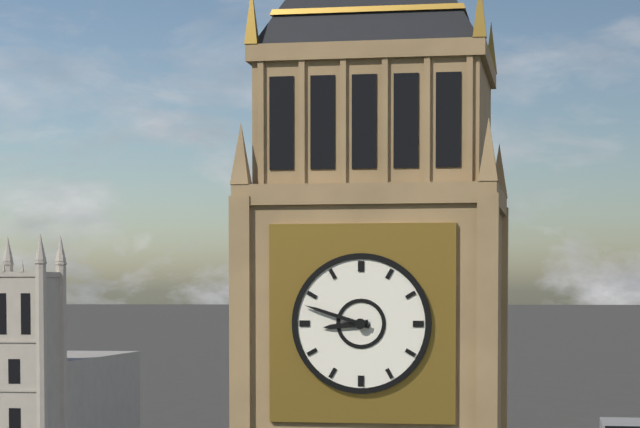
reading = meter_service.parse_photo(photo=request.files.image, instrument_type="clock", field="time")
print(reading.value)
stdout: 8:48
